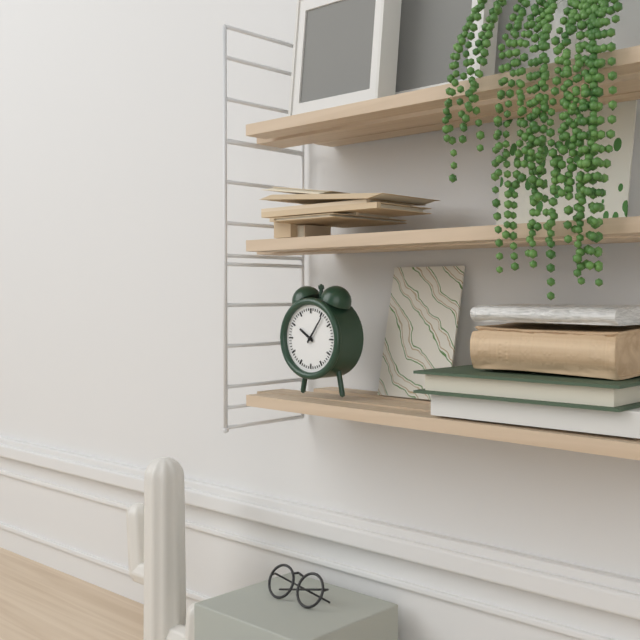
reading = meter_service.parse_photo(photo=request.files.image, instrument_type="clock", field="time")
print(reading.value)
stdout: 10:06
